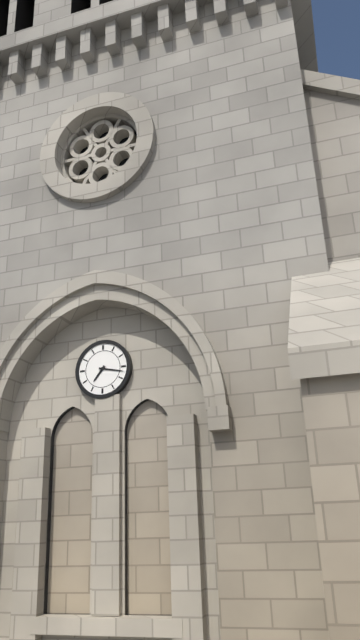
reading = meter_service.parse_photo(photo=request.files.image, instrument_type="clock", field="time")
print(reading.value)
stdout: 7:17
